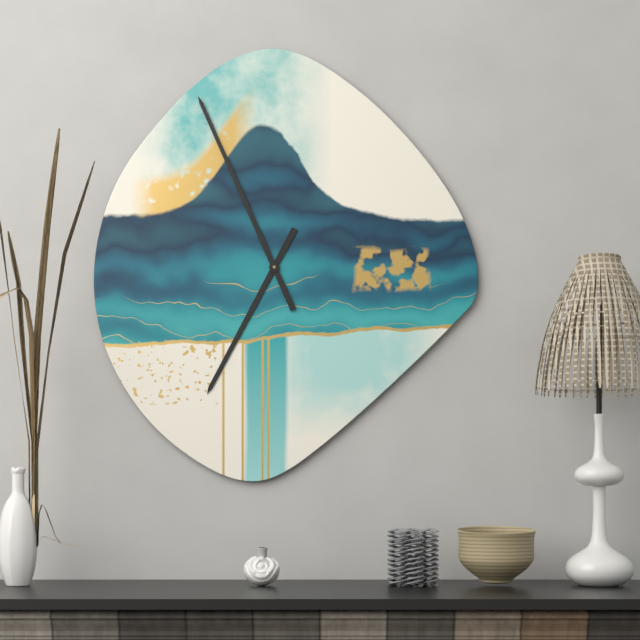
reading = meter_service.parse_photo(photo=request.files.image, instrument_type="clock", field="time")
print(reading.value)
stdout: 6:56
